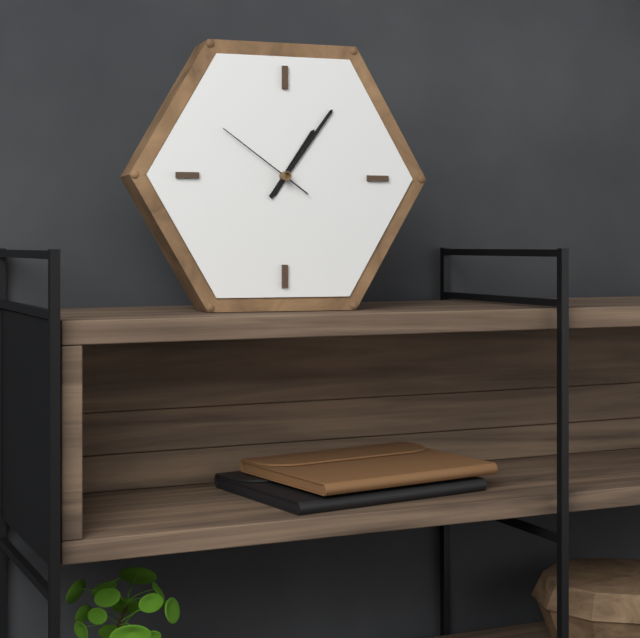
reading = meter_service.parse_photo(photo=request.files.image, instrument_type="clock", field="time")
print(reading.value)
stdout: 1:06:51
